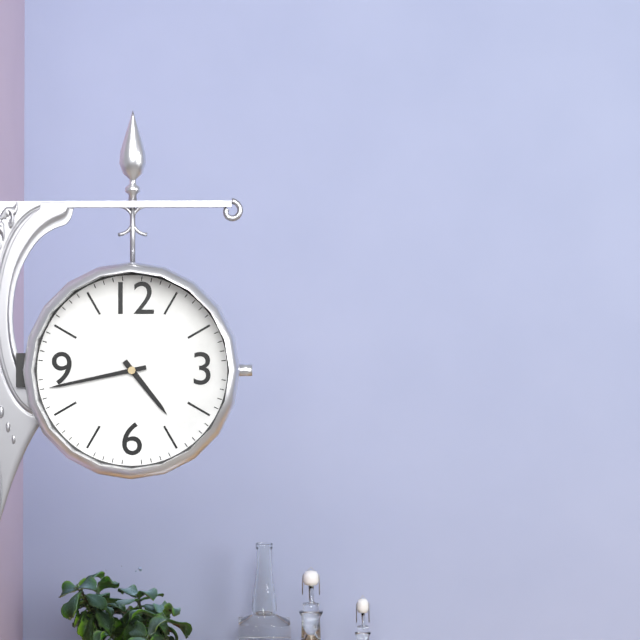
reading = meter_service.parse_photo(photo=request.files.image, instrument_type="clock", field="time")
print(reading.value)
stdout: 4:43
